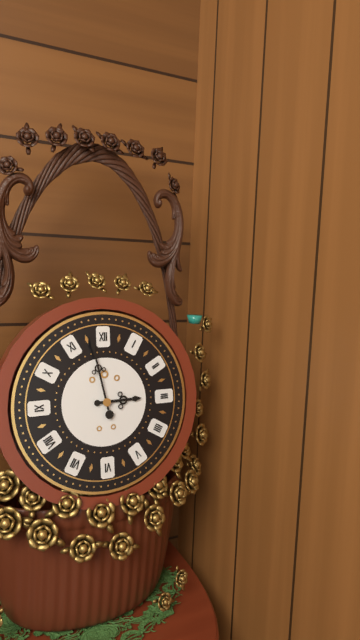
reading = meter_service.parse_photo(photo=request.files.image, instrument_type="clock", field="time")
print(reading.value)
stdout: 2:58
